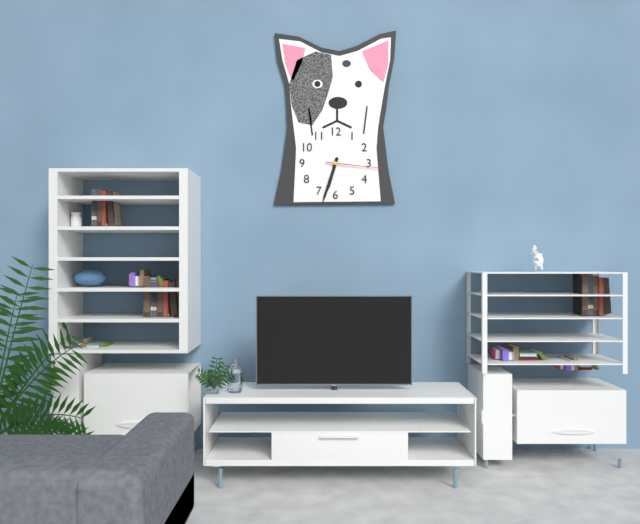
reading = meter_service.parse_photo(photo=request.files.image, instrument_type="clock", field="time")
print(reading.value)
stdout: 6:33:16
